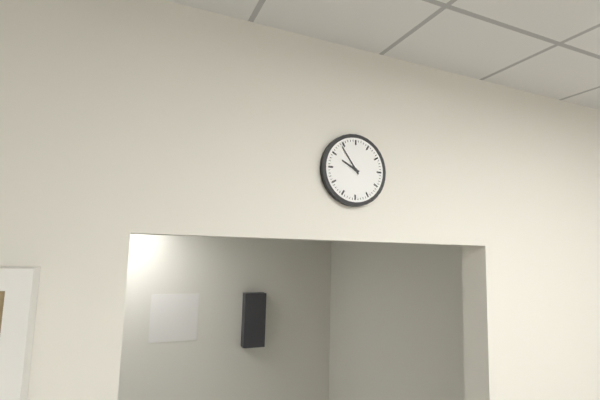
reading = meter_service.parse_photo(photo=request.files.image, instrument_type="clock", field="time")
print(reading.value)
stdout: 9:54
